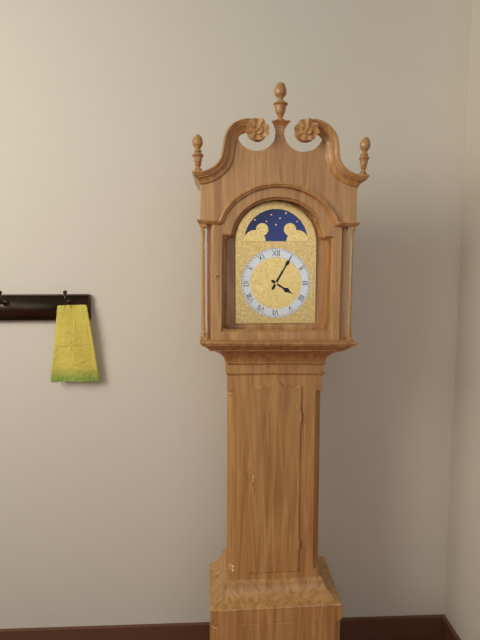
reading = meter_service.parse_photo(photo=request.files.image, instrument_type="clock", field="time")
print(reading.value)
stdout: 4:05
